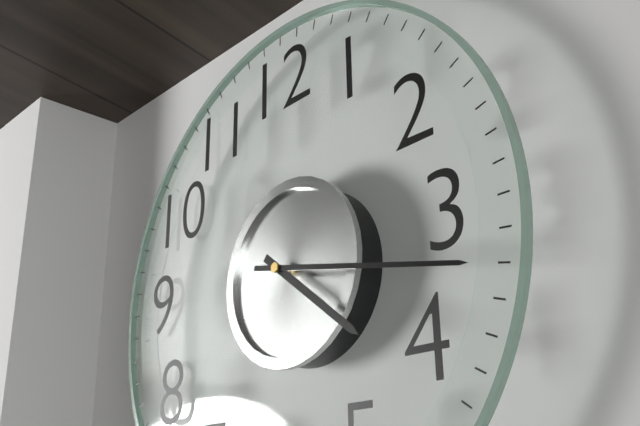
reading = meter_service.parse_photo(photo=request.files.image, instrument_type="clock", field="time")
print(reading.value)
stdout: 4:17
